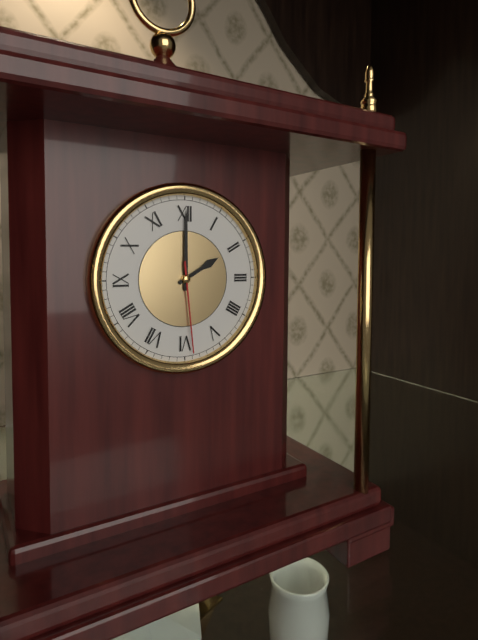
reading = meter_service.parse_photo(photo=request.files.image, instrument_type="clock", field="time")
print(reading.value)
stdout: 2:00:29
